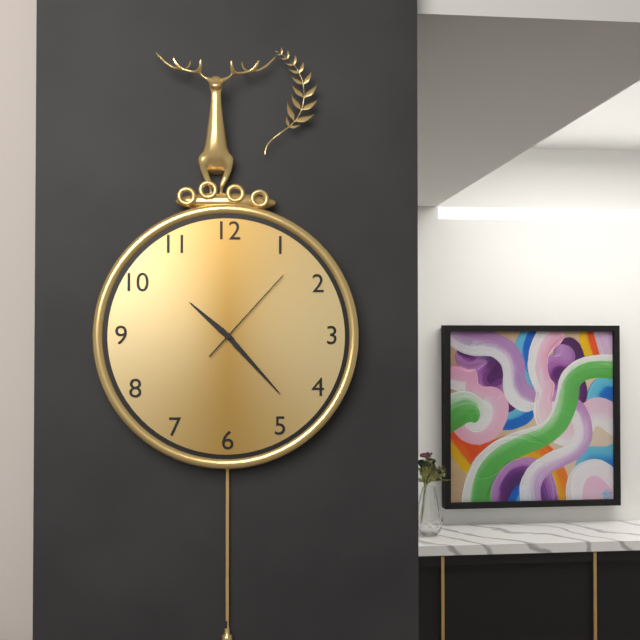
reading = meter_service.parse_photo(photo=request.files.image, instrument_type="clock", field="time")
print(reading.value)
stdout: 10:23:07
